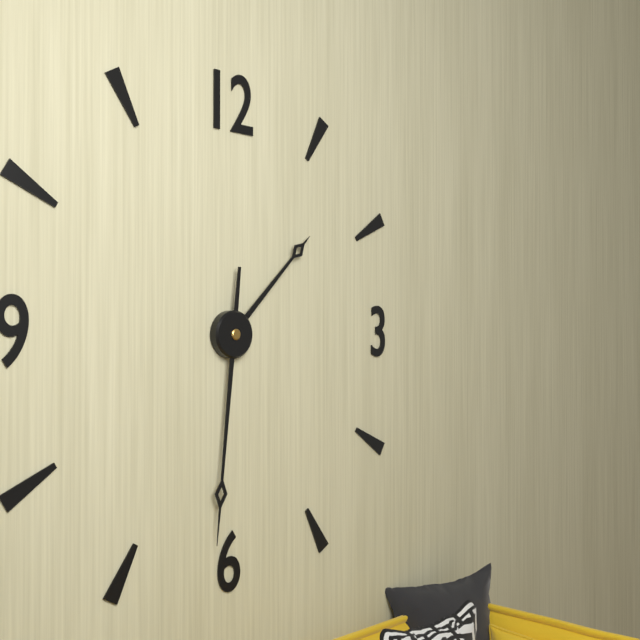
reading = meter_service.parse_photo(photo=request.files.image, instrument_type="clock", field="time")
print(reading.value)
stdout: 1:31
